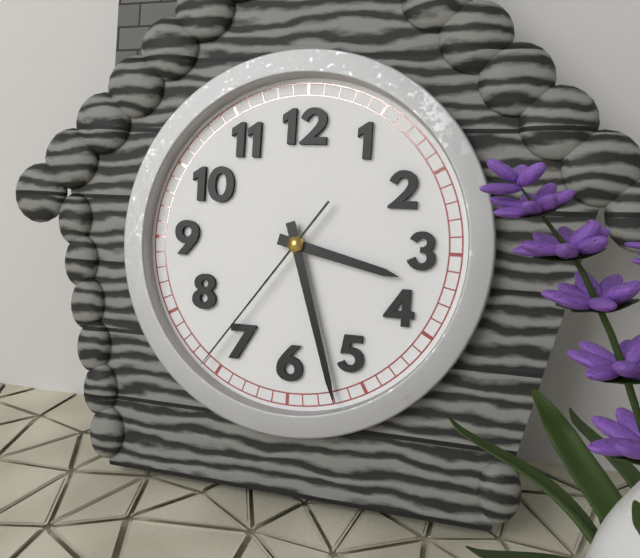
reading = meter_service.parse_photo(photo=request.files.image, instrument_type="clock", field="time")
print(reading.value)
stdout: 3:27:36
